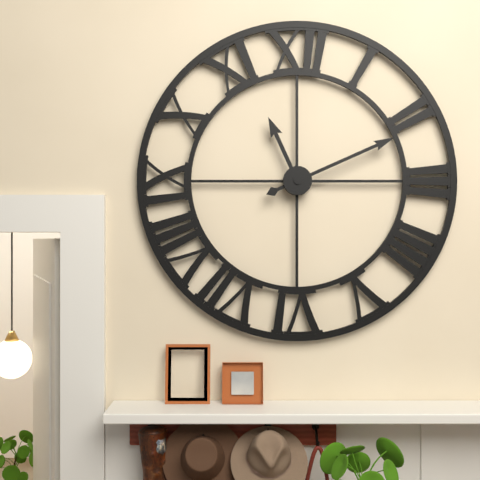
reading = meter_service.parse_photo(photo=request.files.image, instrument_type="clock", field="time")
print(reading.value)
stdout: 11:11
